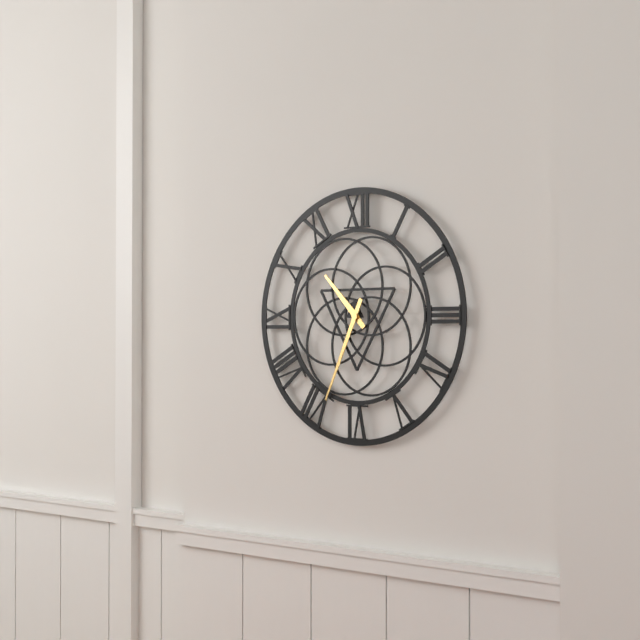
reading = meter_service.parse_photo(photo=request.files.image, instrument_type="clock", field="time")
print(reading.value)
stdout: 10:34
